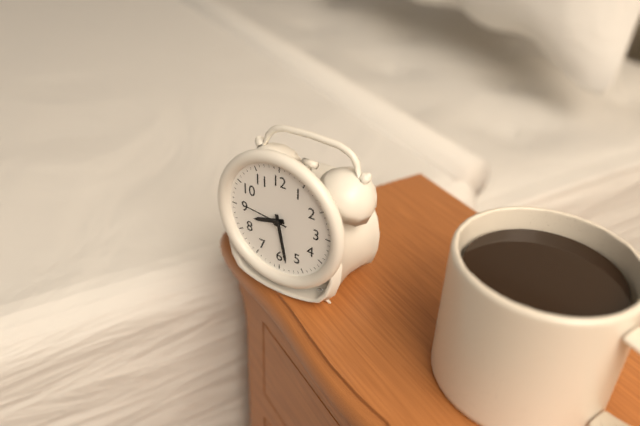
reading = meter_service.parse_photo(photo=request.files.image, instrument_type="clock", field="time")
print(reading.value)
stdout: 8:28
